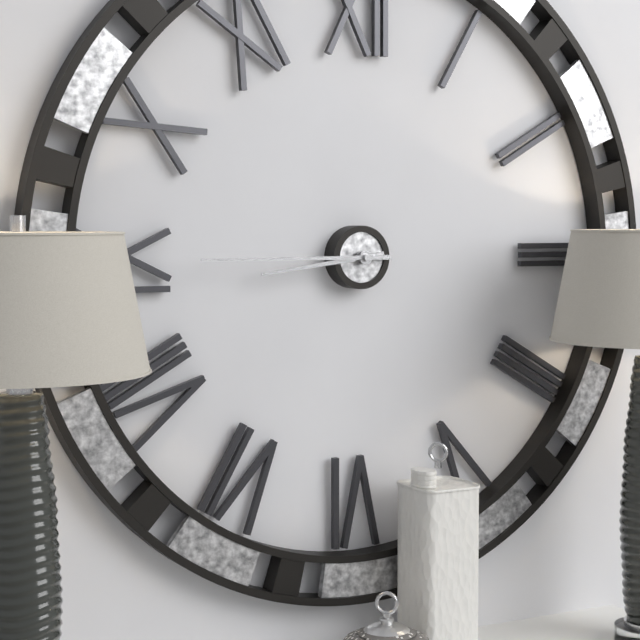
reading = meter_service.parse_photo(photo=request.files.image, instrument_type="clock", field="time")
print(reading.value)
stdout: 8:45
